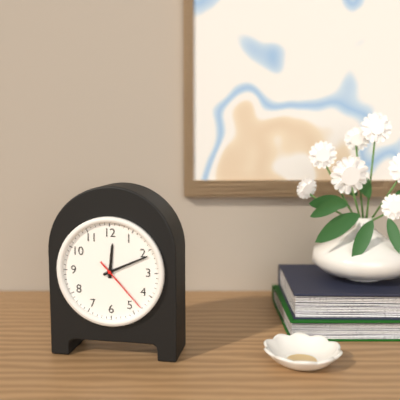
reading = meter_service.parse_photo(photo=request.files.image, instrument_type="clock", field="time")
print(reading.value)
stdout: 12:11:23
